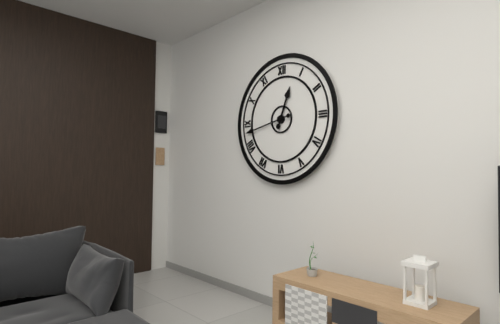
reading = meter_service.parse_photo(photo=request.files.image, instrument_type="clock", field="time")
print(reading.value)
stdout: 12:43
